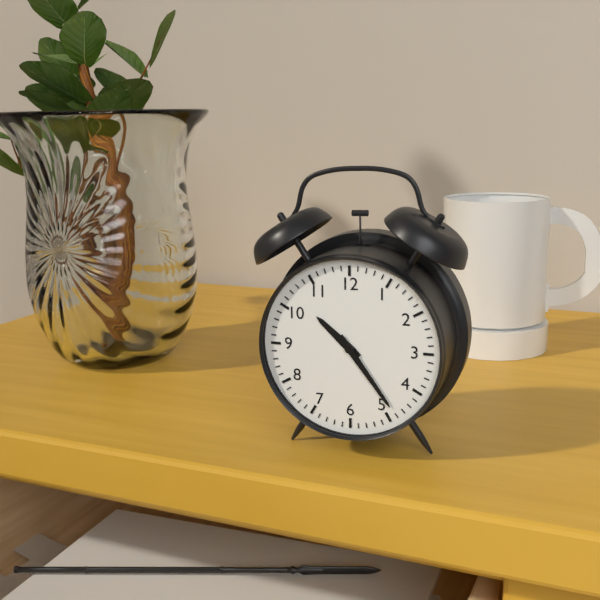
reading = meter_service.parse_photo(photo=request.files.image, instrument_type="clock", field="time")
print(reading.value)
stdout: 10:24
